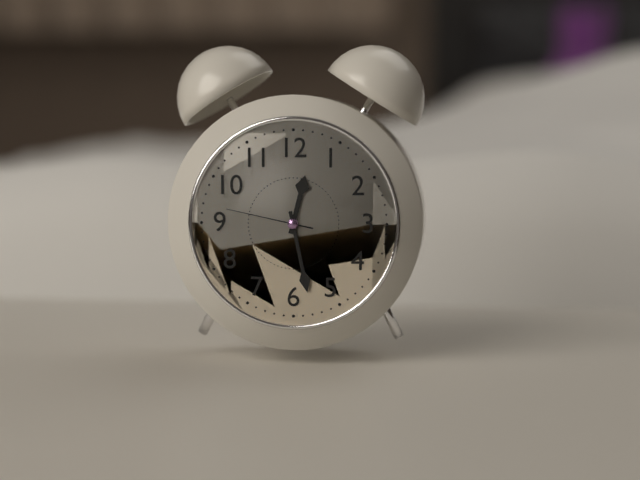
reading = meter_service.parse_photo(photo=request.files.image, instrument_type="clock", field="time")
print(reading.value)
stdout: 12:28:47
